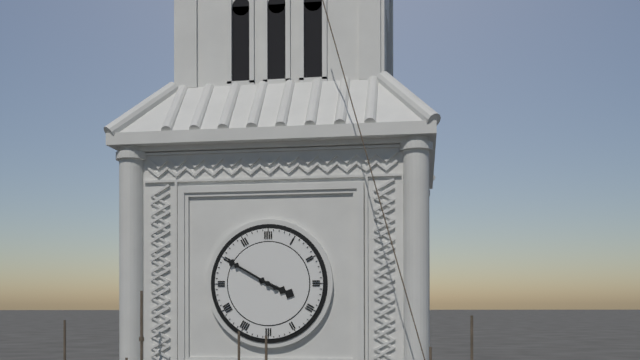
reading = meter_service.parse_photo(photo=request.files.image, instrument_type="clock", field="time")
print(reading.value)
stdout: 3:50
